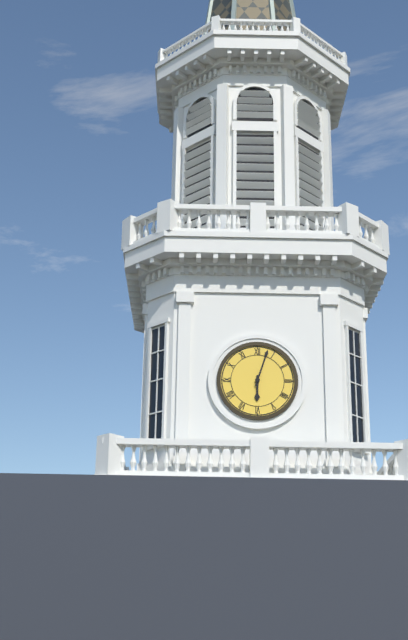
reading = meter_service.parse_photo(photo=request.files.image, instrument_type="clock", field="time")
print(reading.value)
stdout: 6:03
